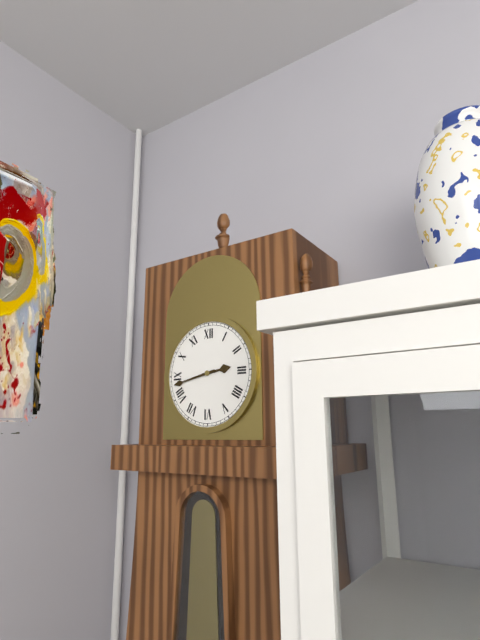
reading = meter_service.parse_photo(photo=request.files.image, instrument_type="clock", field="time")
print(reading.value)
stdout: 2:43
